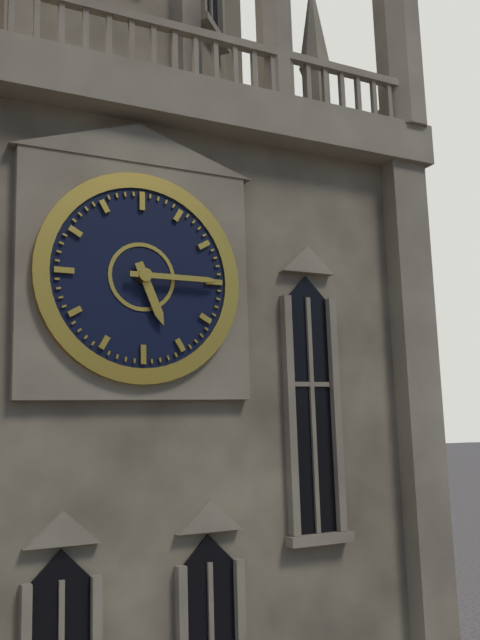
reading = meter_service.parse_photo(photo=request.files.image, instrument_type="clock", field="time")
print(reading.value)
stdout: 5:15
